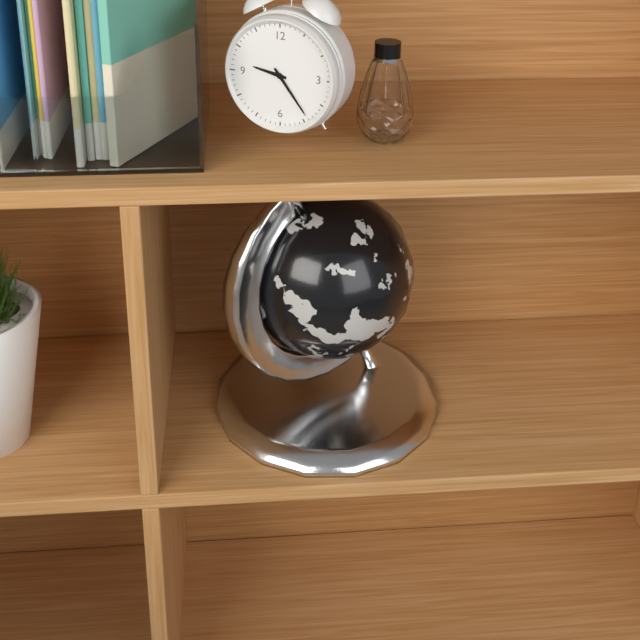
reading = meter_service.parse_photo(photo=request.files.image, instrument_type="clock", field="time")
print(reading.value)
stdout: 9:24
